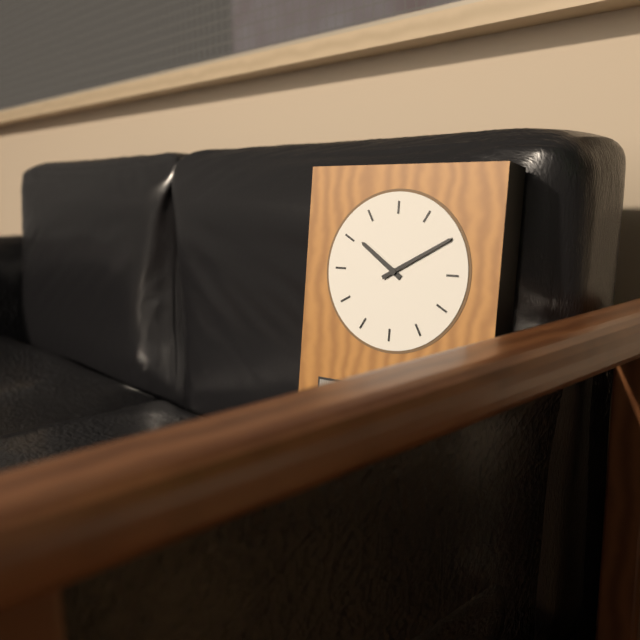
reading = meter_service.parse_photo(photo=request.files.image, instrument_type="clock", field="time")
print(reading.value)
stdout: 10:10
